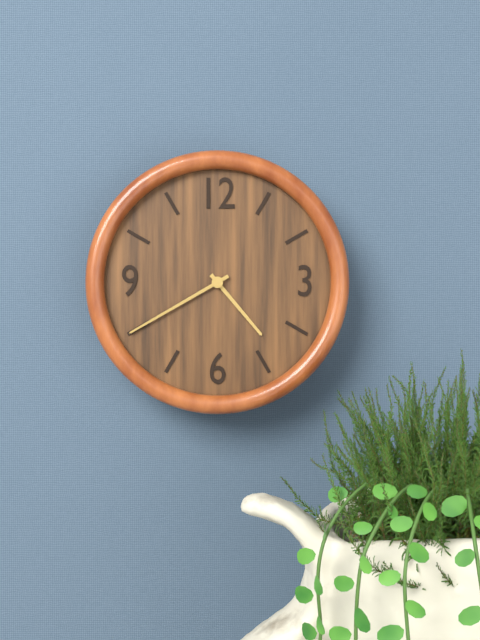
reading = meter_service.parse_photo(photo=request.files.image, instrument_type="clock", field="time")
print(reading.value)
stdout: 4:40
